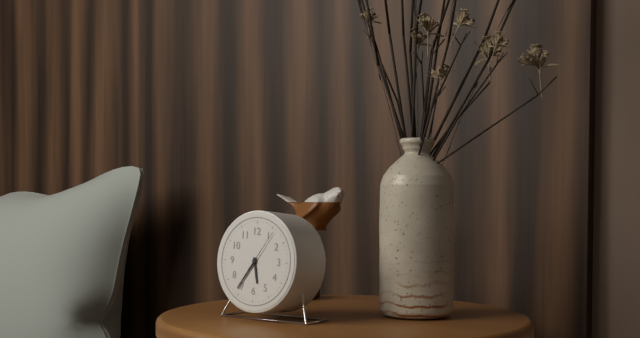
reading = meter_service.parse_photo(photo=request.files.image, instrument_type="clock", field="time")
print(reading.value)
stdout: 5:36
